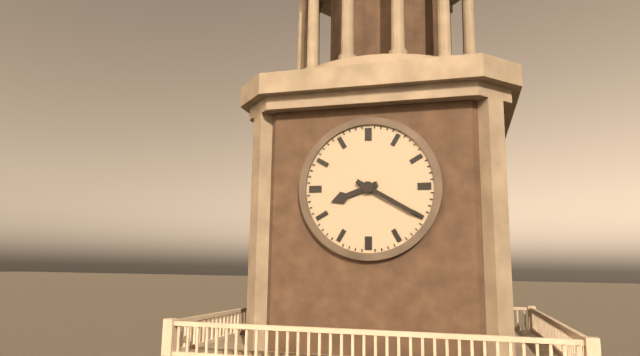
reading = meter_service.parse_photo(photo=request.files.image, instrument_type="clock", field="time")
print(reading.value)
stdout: 8:20
